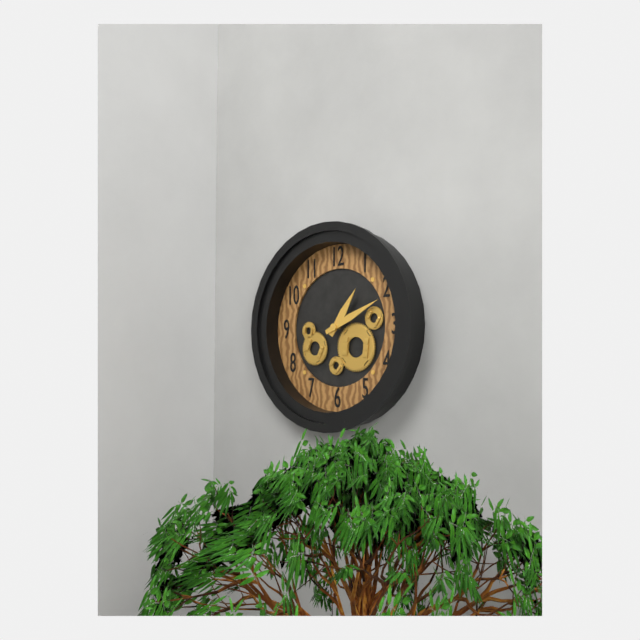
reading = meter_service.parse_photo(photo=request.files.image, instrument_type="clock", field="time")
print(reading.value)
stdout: 1:11
